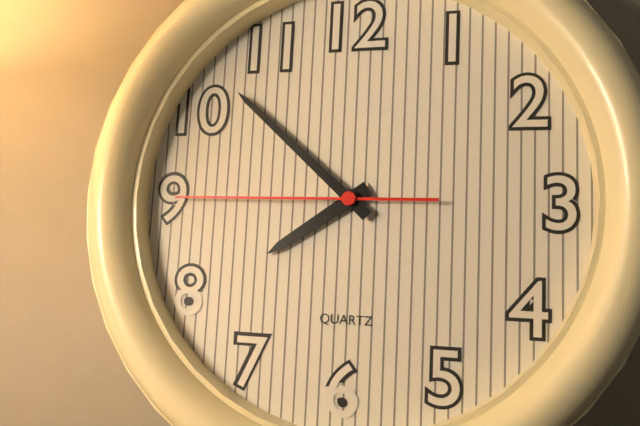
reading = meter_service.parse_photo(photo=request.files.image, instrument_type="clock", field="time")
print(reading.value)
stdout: 7:52:45
